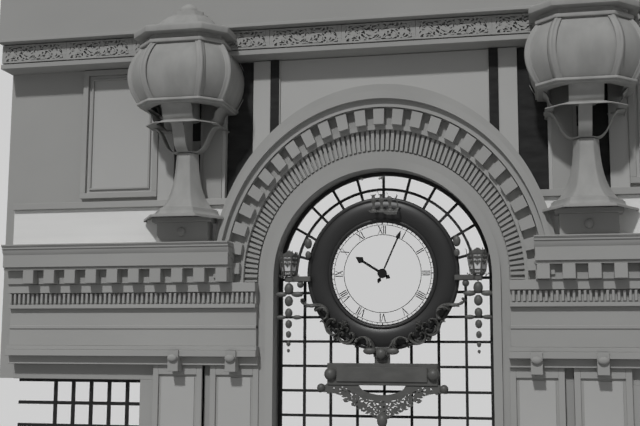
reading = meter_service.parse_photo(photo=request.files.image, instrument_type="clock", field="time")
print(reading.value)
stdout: 10:04
